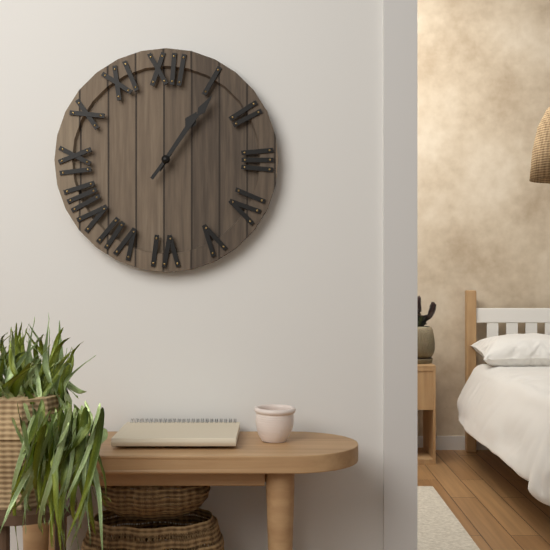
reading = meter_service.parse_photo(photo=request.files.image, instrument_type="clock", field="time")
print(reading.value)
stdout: 1:06
